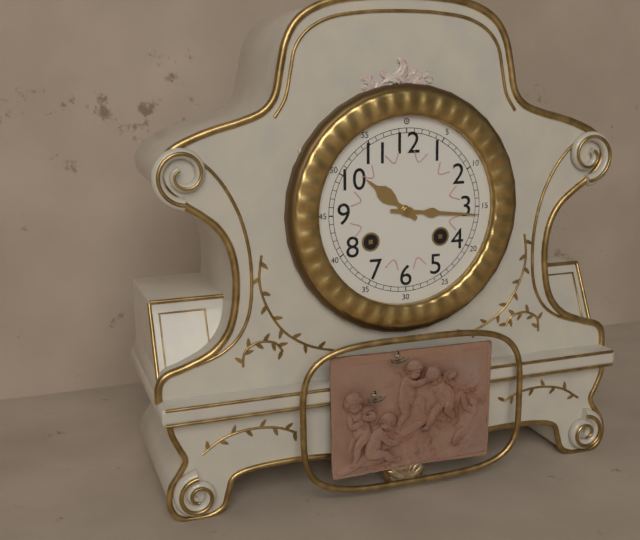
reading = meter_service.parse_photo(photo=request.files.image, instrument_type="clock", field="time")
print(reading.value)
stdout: 10:16
